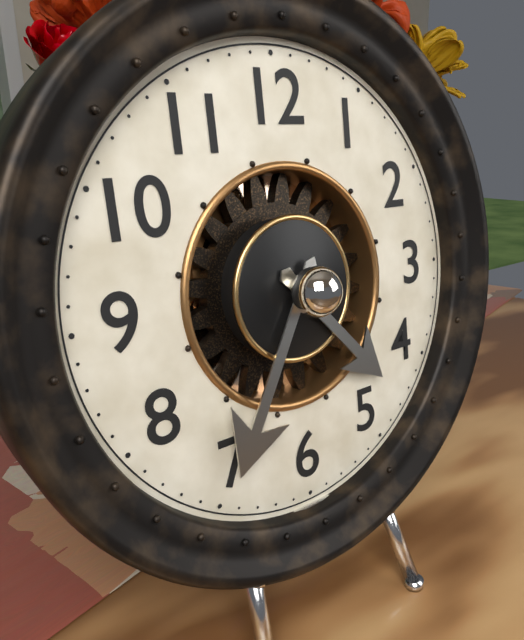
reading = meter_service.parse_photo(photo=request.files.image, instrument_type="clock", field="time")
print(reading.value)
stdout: 4:35
